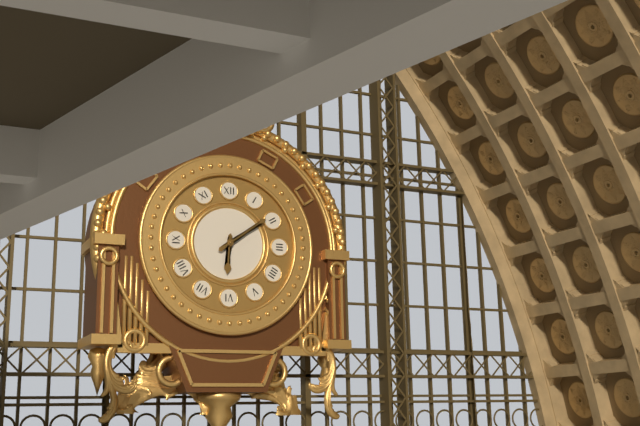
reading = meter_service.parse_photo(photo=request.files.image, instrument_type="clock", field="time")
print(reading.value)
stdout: 6:09
